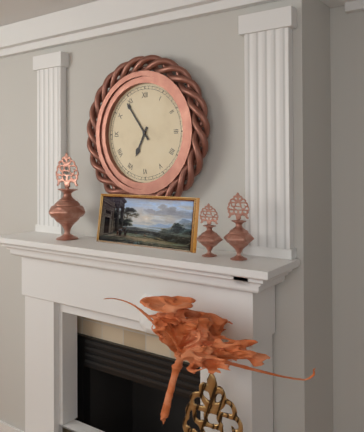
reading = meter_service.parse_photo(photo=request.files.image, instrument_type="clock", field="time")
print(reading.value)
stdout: 6:54
